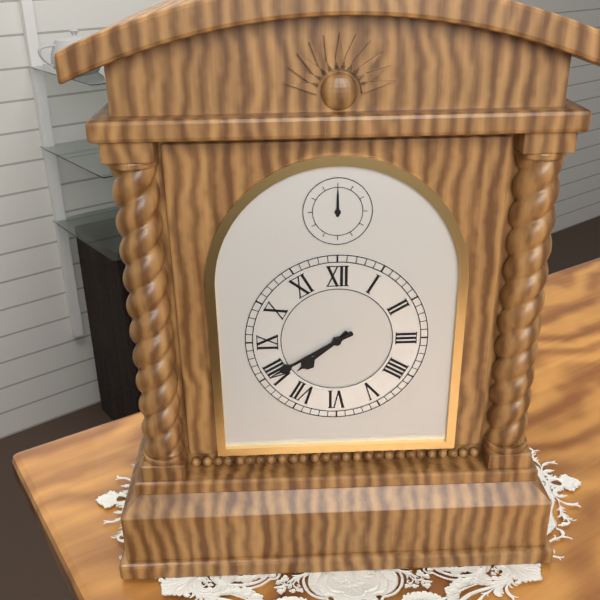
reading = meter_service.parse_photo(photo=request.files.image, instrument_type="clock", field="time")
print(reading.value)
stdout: 7:40
